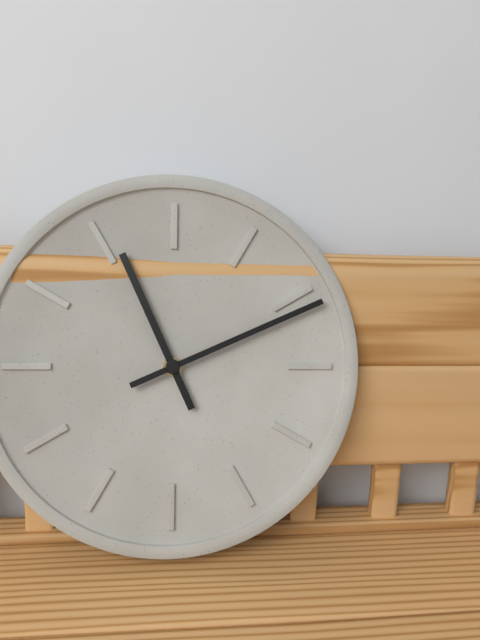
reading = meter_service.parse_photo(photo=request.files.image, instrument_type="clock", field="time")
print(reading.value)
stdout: 11:11
